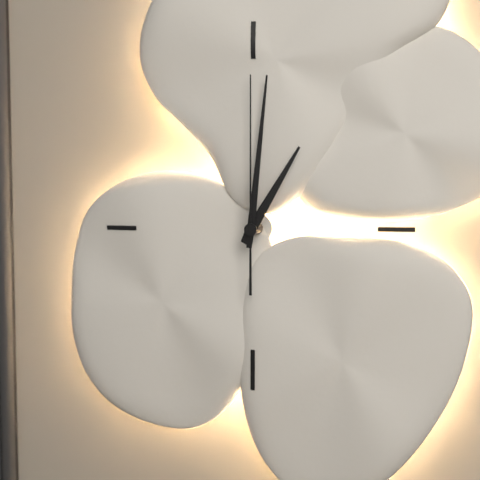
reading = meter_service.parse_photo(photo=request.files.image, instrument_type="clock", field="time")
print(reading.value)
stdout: 1:01:00
